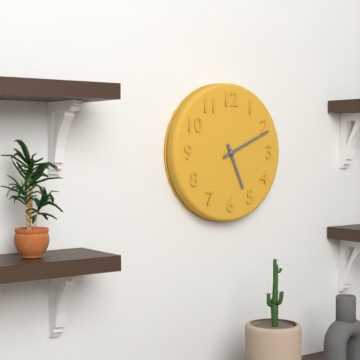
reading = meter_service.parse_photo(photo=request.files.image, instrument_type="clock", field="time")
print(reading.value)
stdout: 5:11
